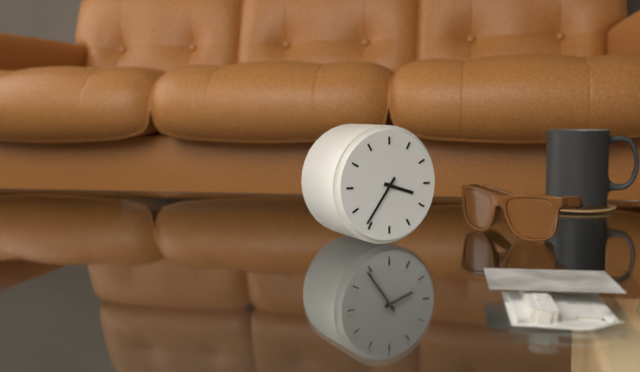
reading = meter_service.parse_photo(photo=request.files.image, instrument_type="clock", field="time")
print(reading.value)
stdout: 3:36
